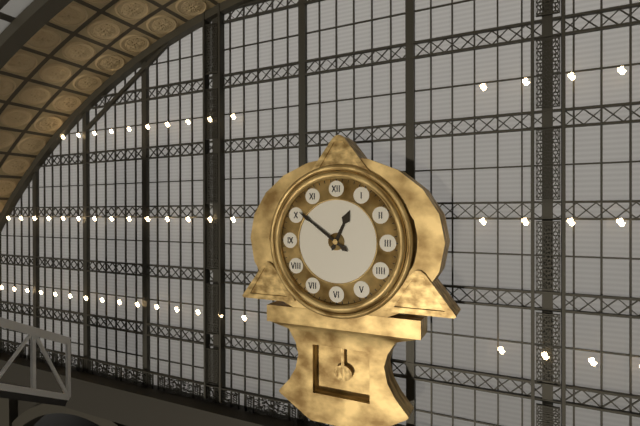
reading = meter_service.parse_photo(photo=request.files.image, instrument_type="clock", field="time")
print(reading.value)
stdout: 12:51
